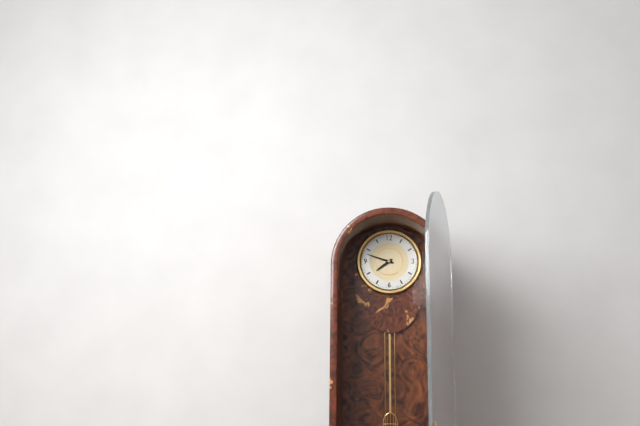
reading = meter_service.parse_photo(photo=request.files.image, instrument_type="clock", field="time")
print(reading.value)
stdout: 7:48
